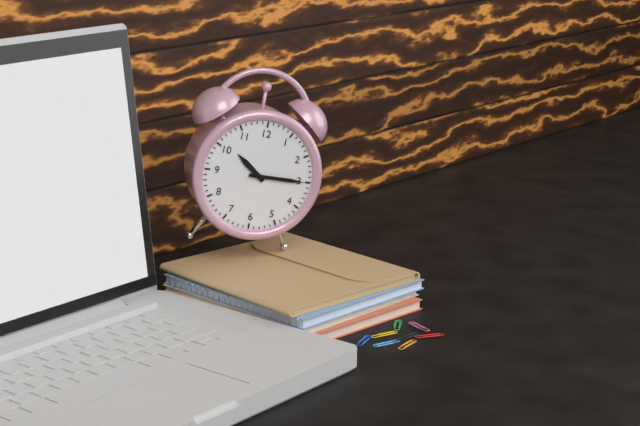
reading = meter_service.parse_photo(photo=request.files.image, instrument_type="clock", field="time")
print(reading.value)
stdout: 10:15
